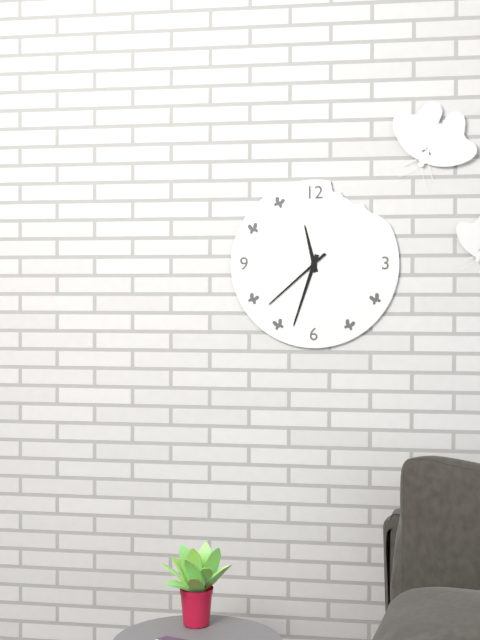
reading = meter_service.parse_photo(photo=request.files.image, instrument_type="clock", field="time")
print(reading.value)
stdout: 11:33:38
